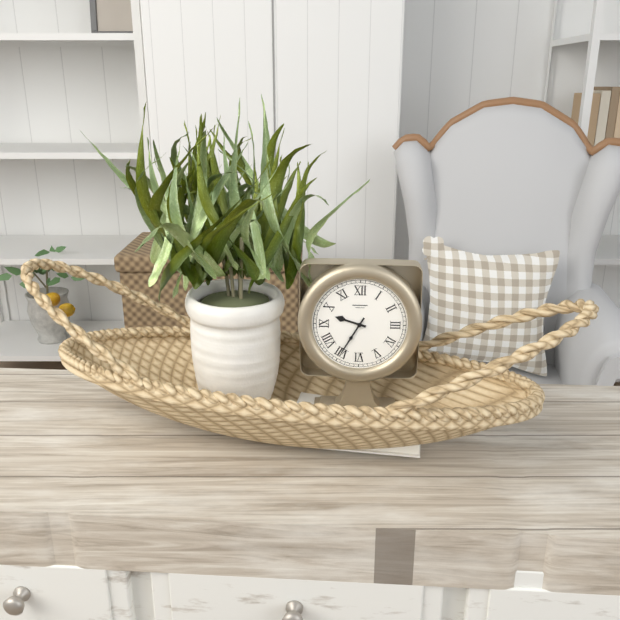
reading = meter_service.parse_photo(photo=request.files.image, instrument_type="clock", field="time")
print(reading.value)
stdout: 9:35
